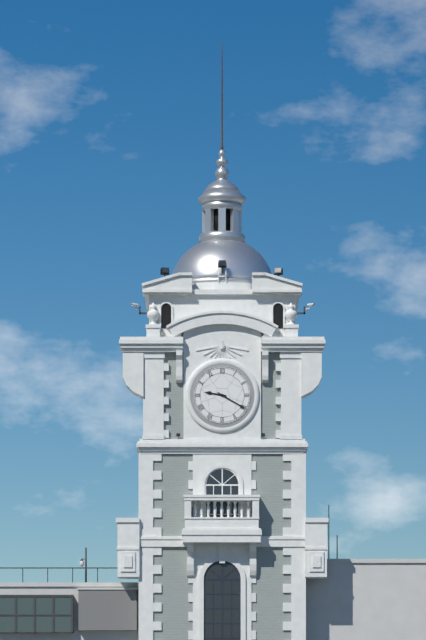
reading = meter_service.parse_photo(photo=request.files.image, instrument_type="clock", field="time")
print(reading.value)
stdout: 9:20
